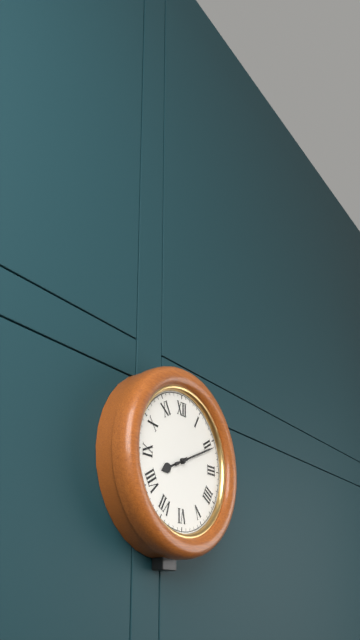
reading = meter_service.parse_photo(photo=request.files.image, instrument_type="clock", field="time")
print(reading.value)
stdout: 8:11
